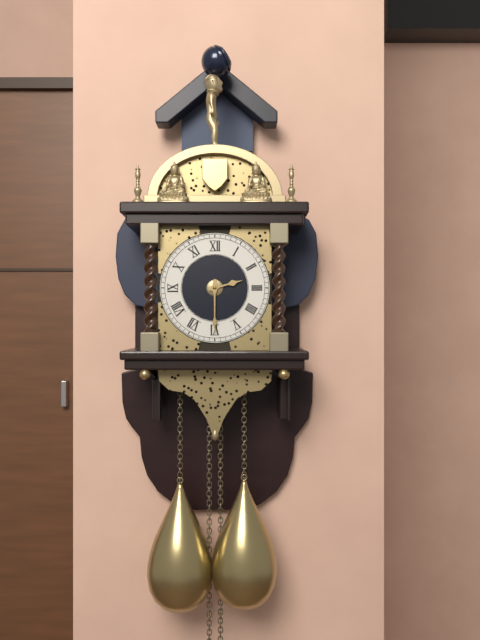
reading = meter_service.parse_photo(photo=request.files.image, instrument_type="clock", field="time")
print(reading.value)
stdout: 2:30
